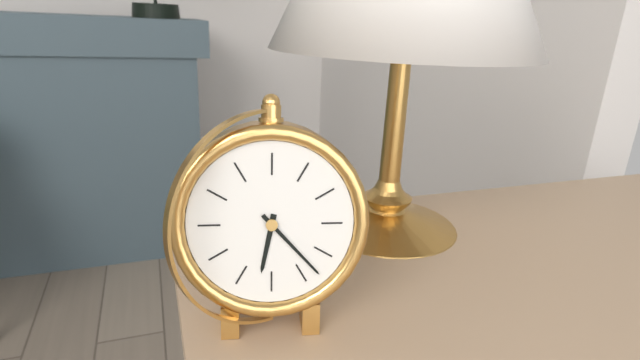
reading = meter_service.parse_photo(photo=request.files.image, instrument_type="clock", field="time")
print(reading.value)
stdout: 6:23
